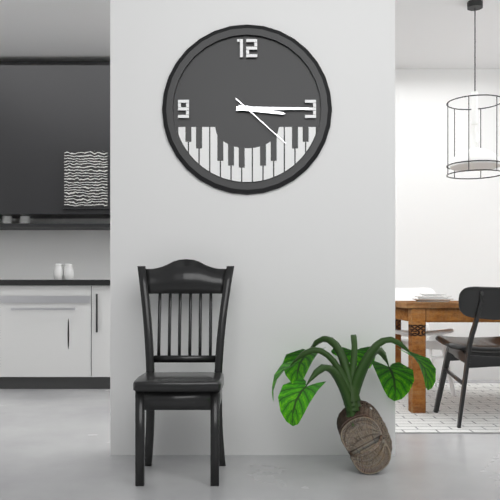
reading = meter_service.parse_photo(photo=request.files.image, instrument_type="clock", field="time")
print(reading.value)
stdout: 3:15:22
